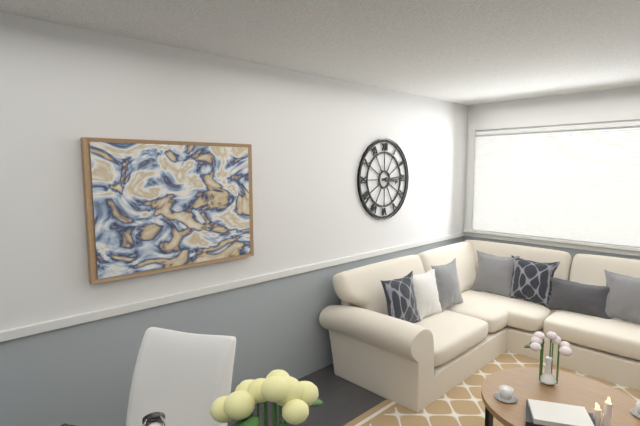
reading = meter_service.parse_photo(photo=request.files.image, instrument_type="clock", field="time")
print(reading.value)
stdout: 3:14
